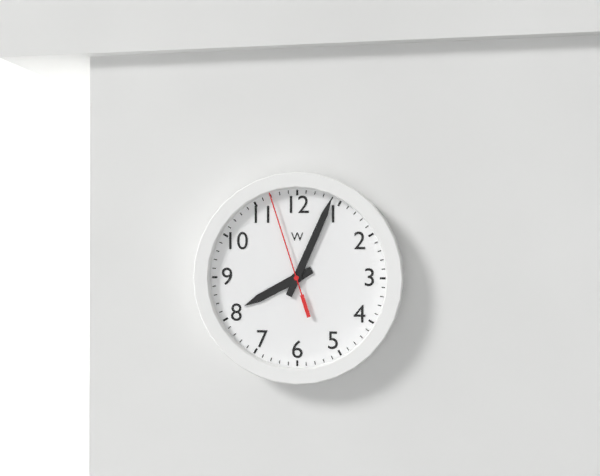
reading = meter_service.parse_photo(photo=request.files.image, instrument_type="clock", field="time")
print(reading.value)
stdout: 8:04:57
